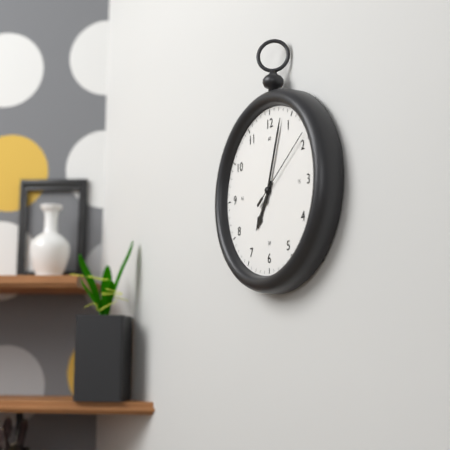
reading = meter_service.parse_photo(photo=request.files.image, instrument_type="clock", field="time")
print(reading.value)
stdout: 7:03:09
